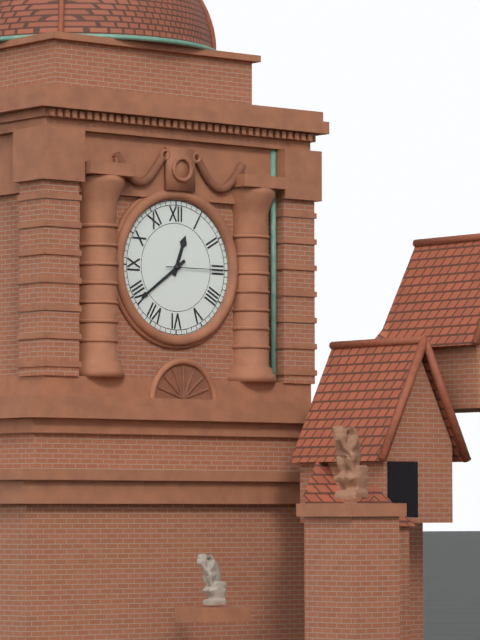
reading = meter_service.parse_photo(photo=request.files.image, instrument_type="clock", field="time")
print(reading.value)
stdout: 12:39:15
